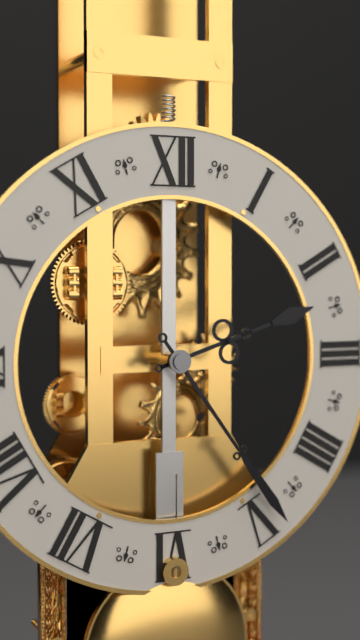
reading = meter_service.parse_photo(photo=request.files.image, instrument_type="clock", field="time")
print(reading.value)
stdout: 2:24
